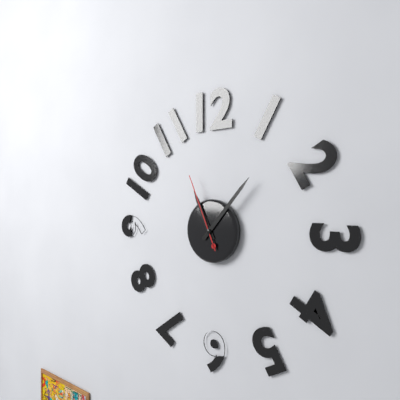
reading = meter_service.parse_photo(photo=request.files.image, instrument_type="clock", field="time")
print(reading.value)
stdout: 11:07:56
